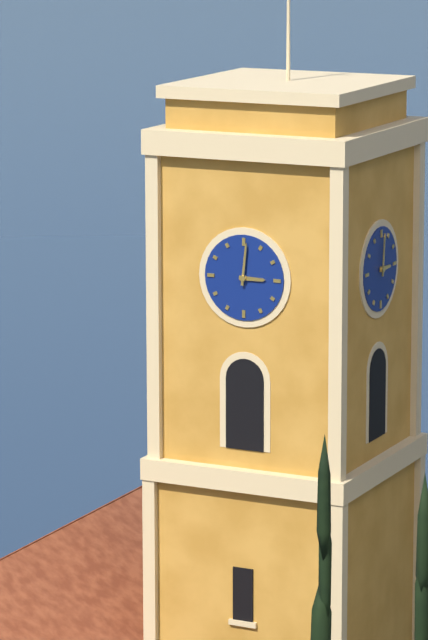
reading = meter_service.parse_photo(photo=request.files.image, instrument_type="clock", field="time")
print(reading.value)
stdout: 3:01
